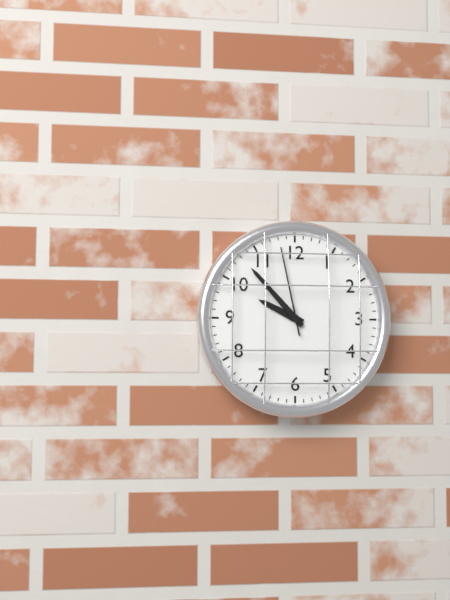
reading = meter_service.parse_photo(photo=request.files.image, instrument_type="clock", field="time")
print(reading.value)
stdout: 9:53:58
